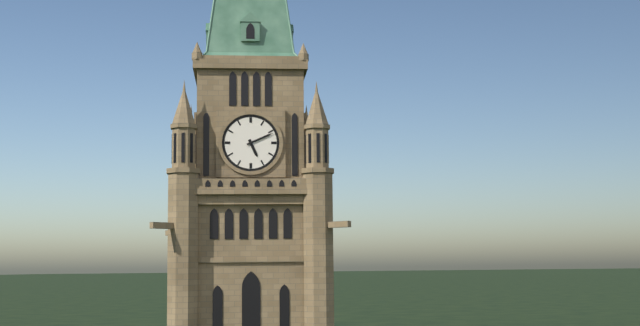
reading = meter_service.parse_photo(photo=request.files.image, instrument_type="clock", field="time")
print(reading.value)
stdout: 5:11
